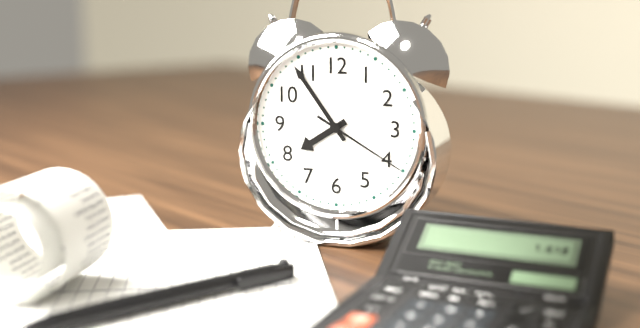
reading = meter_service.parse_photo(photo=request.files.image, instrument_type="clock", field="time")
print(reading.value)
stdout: 7:54:20
